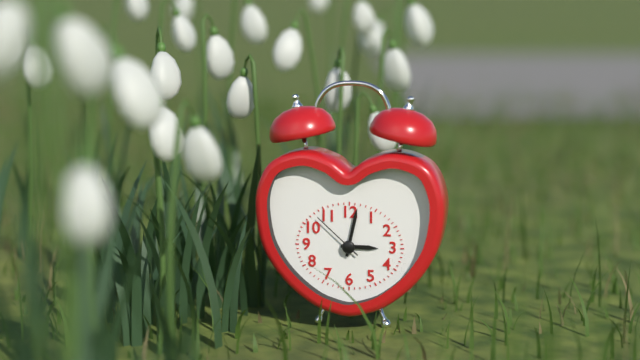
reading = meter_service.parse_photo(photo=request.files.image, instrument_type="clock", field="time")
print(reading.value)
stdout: 3:02:52
